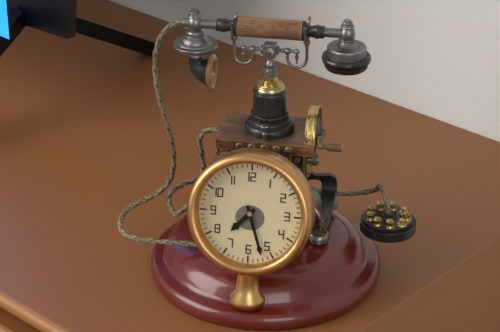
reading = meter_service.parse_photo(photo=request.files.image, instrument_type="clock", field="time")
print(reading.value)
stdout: 7:27
